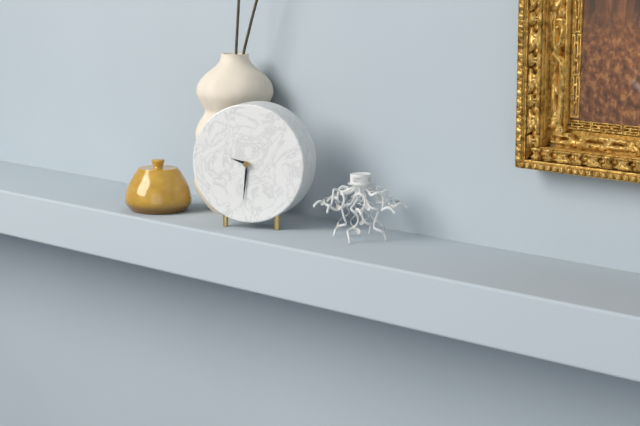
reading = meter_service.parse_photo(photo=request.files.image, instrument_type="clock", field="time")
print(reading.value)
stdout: 9:31
